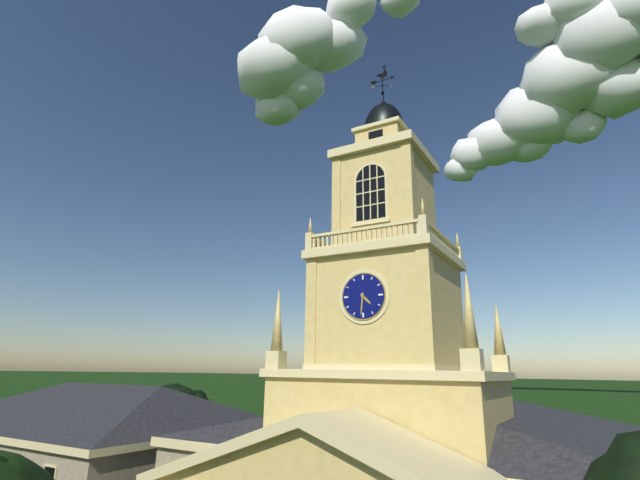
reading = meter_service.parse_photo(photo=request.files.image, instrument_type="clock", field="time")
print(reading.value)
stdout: 4:31
